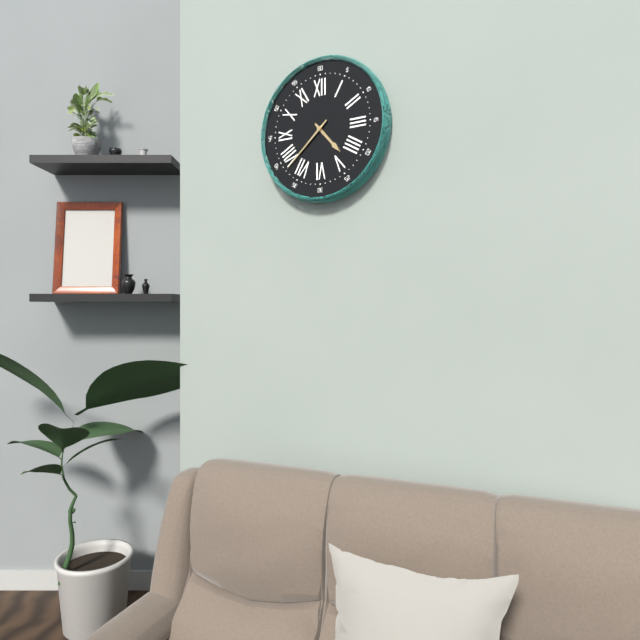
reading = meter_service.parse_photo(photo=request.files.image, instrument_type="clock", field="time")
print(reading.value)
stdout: 4:38
